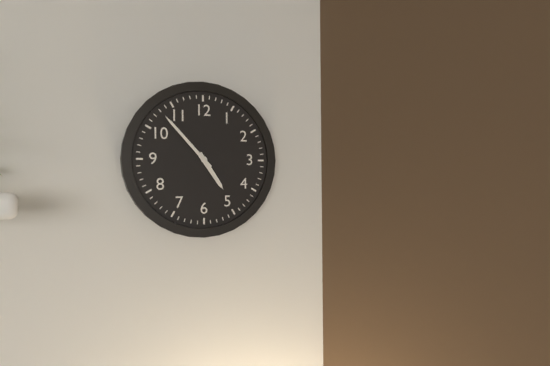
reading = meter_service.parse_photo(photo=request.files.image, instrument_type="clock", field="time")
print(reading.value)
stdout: 4:53
